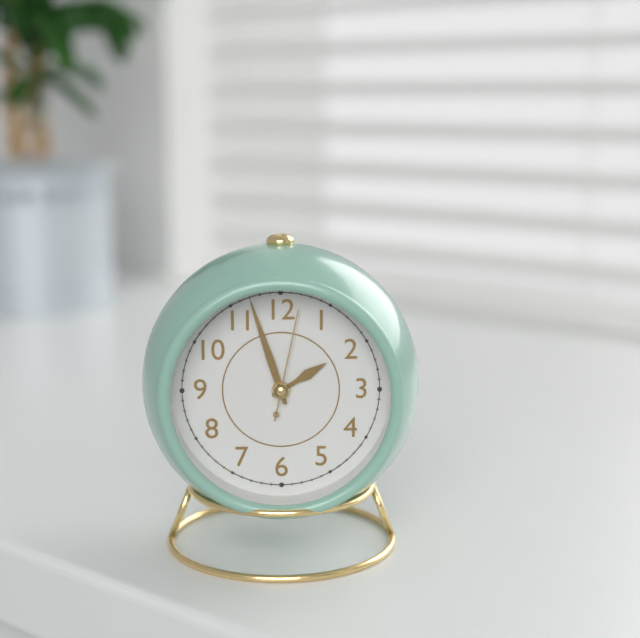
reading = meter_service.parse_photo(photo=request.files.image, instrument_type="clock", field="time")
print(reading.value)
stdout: 1:57:02
